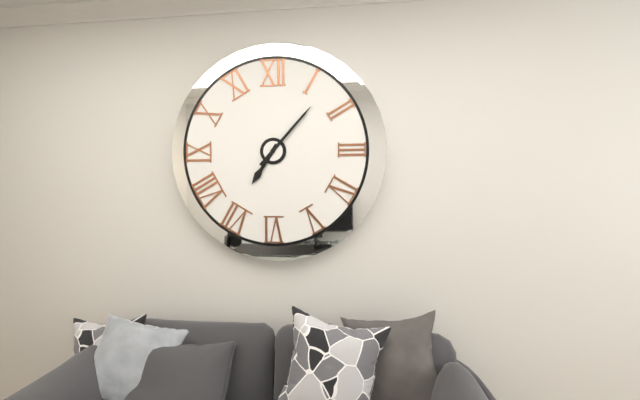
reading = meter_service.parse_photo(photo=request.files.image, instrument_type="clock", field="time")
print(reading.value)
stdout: 7:07
